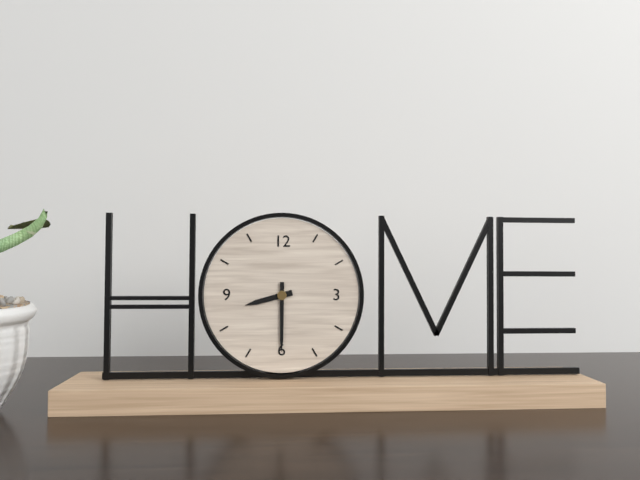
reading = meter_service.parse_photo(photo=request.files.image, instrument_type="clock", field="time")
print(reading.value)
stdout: 8:30
